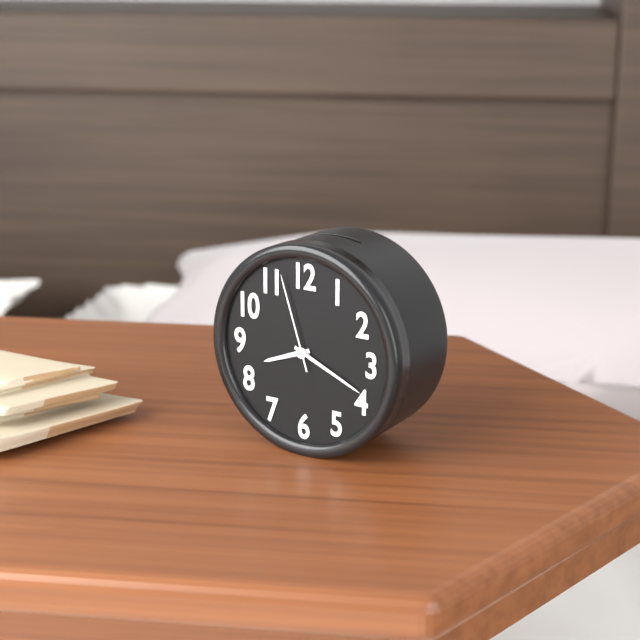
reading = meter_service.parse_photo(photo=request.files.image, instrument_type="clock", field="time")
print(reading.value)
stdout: 8:19:57
